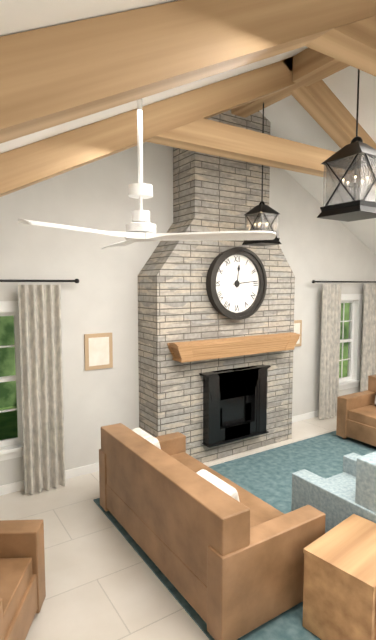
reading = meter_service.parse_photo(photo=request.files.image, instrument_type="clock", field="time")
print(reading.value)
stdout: 12:14
